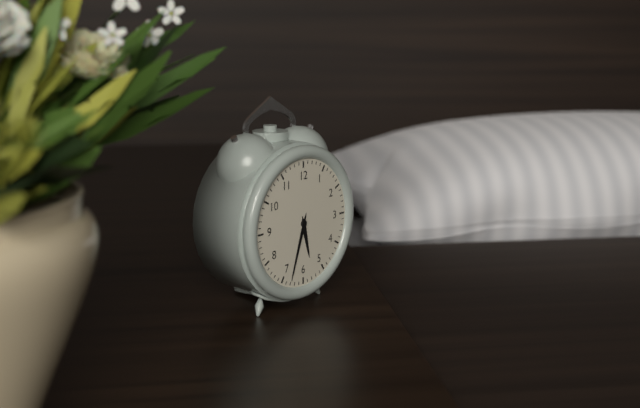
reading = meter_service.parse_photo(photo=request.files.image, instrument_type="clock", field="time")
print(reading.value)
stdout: 5:33
